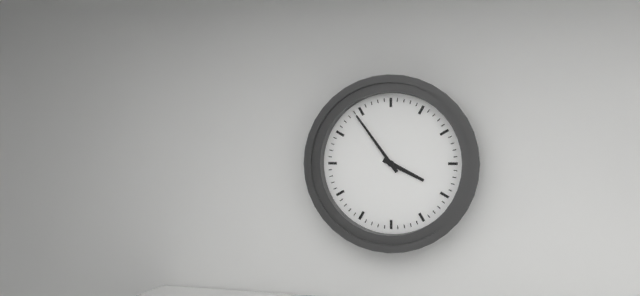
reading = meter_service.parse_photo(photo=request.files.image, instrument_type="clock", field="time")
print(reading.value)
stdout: 3:54
